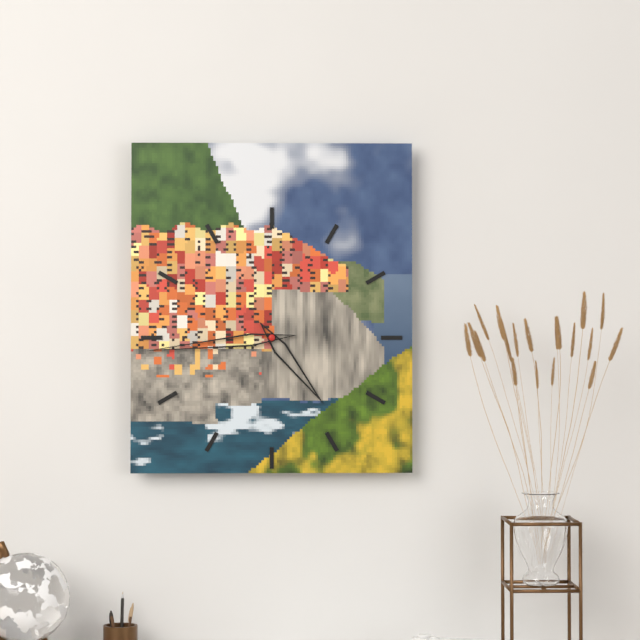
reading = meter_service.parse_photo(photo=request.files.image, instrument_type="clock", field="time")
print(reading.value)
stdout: 4:44
